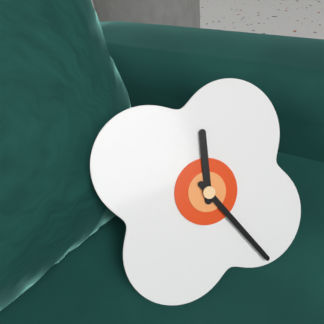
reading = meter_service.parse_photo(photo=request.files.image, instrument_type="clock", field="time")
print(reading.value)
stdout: 12:26
